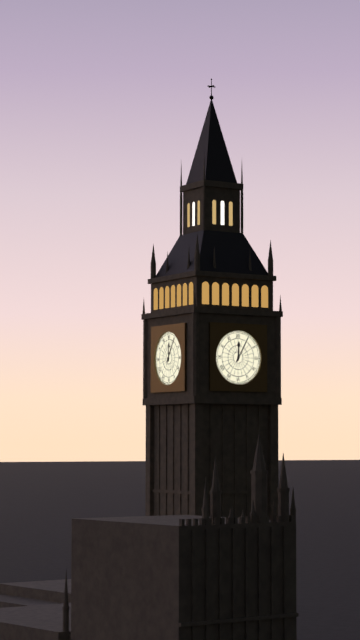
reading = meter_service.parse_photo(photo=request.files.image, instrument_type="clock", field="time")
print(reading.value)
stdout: 12:05
